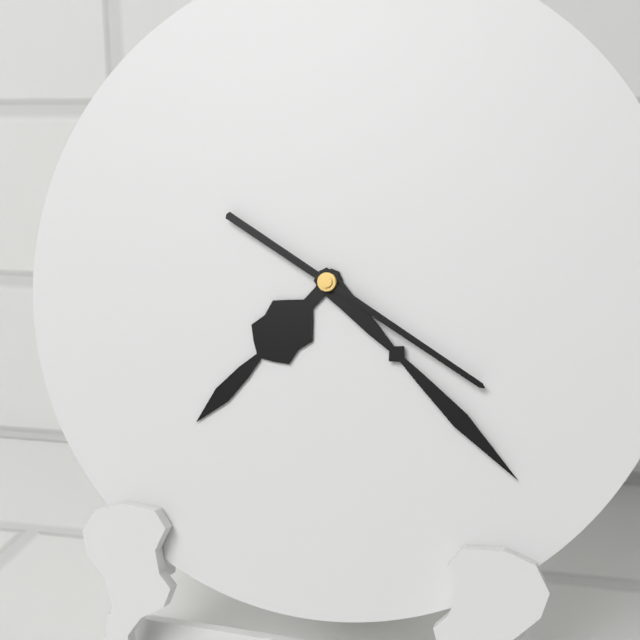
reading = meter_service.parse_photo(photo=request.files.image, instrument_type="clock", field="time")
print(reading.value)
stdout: 7:22:20
